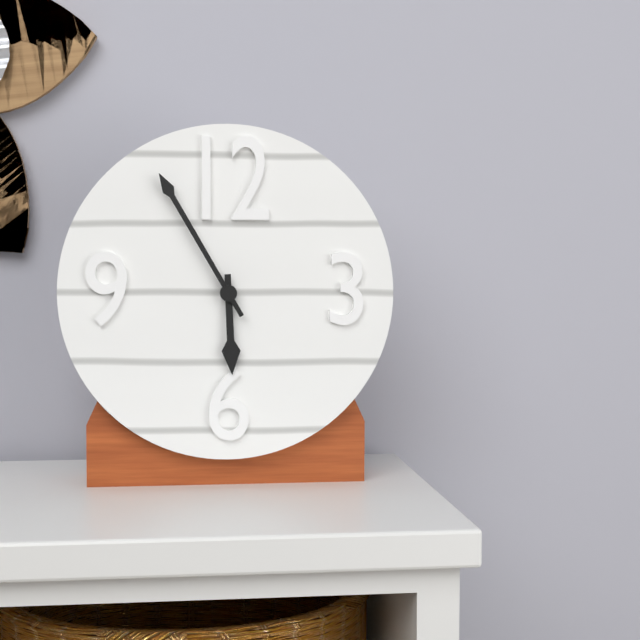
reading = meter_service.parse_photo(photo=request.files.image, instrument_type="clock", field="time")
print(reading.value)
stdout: 5:55
